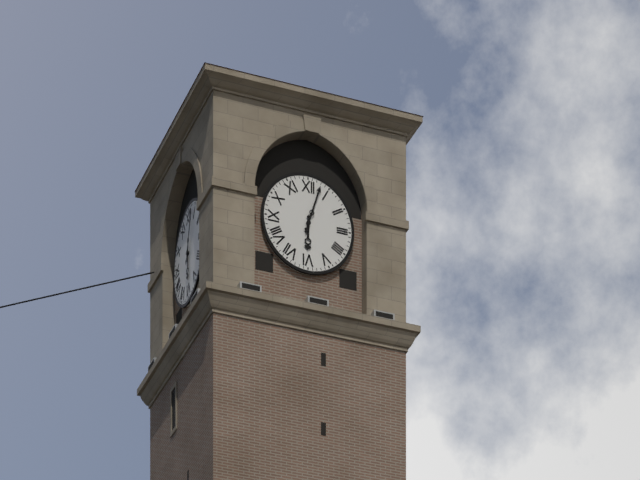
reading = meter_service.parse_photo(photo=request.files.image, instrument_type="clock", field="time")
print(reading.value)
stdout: 6:03
